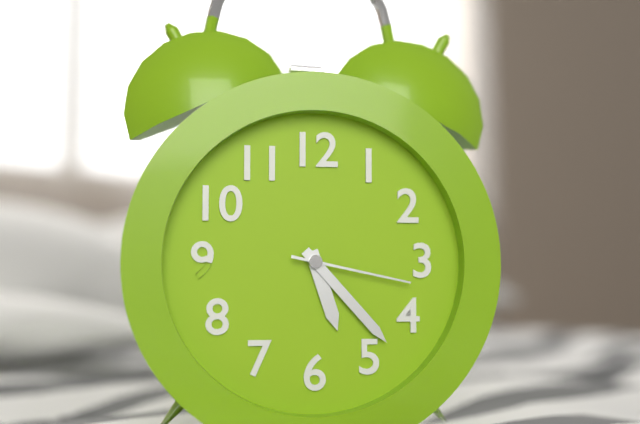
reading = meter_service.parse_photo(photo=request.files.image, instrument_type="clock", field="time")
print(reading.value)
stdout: 5:23:17
